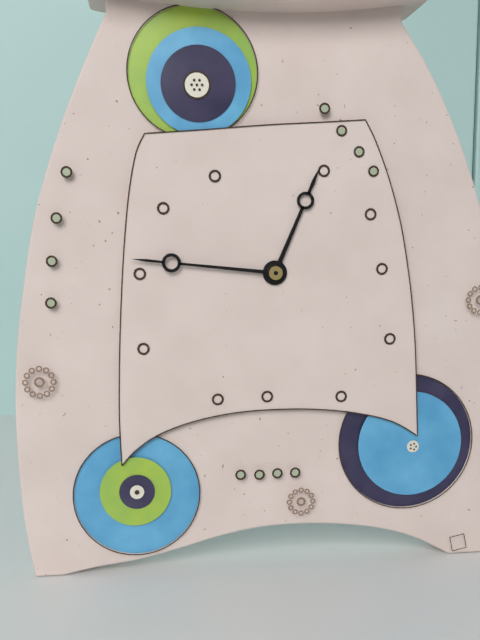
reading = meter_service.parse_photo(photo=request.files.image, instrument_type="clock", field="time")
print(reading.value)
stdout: 12:46
